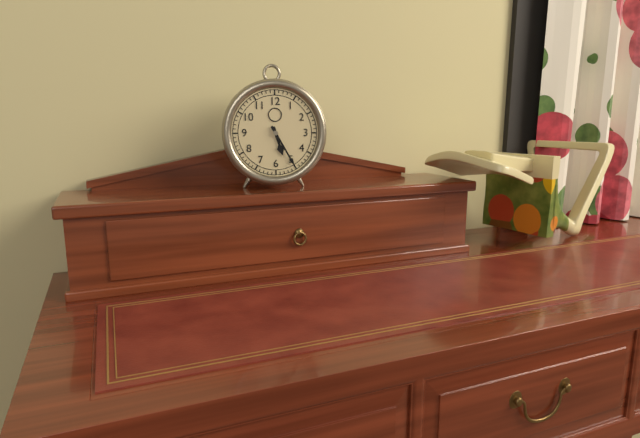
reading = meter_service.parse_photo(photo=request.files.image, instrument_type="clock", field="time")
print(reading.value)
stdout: 5:25
